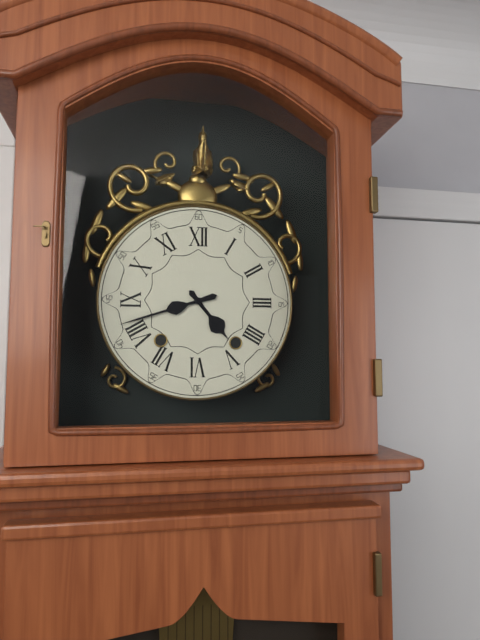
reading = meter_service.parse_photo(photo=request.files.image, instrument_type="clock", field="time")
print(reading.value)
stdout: 4:42
